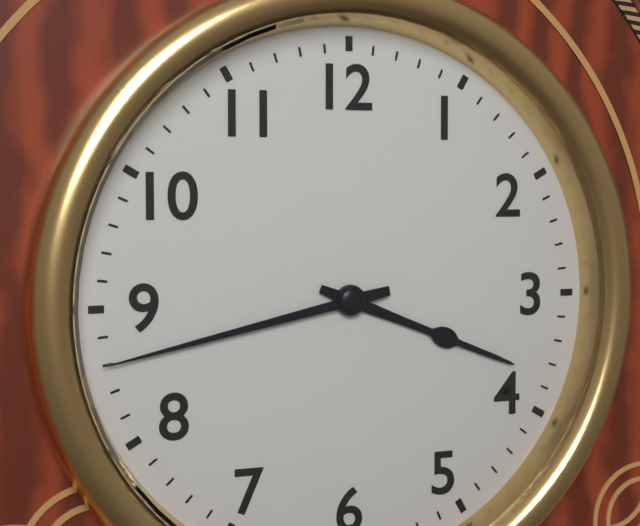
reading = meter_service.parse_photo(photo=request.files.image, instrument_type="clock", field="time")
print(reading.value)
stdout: 3:43
